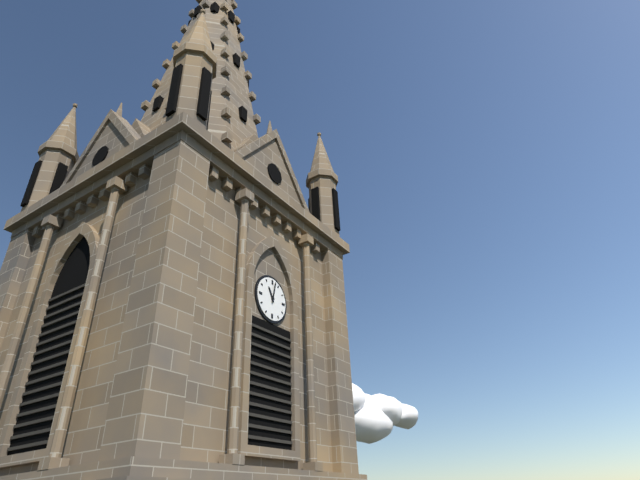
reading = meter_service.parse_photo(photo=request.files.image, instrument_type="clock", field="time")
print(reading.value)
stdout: 11:02
